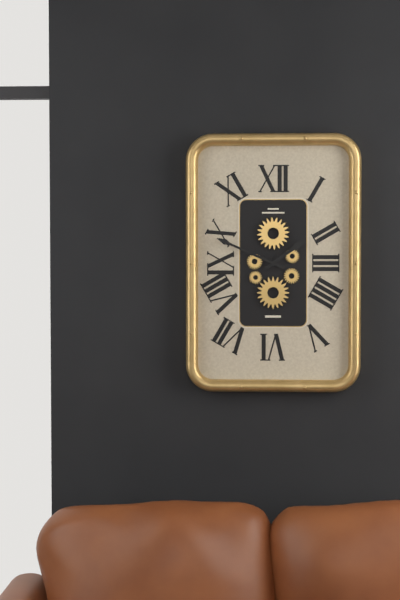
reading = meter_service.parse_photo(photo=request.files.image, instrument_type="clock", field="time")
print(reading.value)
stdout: 1:49
